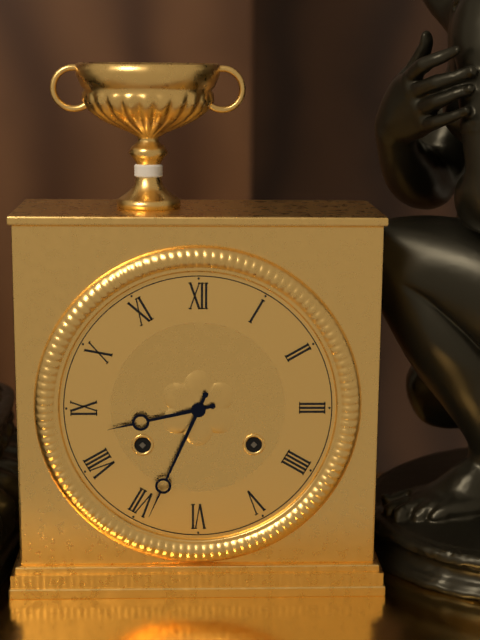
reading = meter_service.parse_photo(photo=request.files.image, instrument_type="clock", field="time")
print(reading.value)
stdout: 8:34
